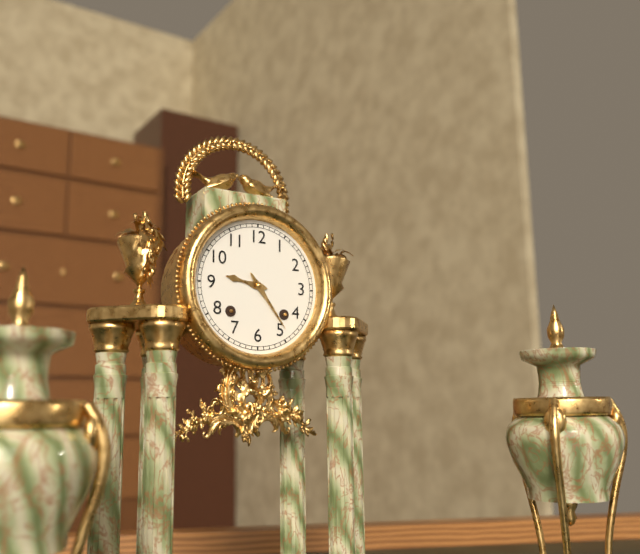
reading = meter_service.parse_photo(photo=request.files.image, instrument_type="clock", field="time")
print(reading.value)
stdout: 9:24
